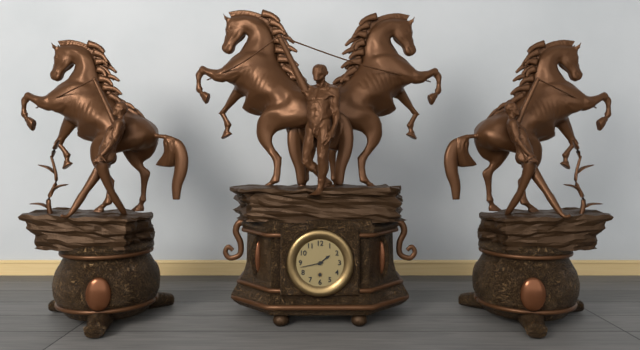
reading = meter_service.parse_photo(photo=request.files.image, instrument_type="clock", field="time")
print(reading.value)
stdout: 1:43
